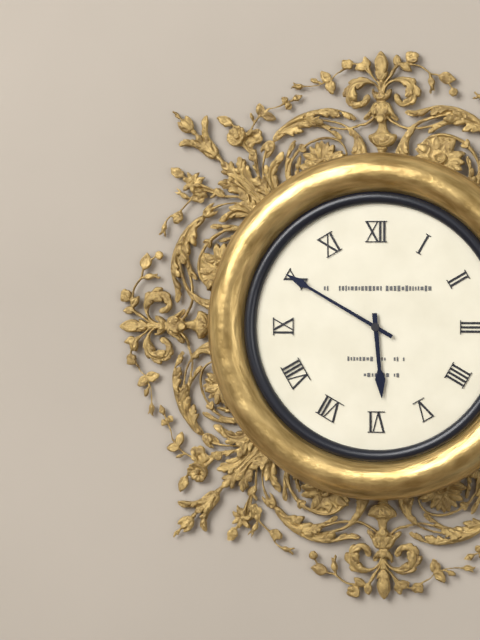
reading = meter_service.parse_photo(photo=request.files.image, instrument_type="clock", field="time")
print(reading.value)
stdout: 5:50
